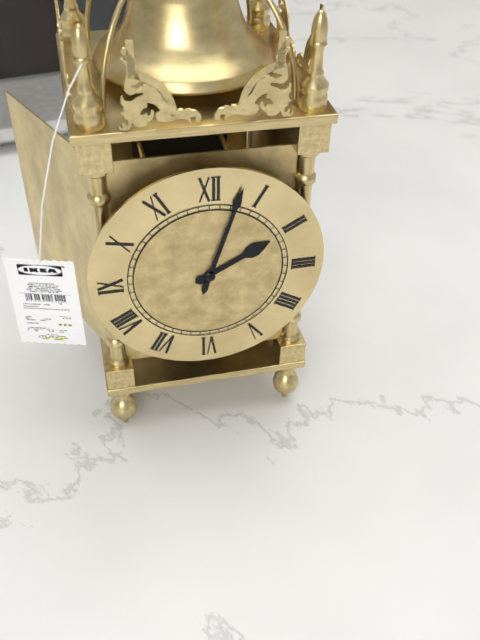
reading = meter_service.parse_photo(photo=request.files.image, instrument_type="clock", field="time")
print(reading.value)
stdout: 2:03
